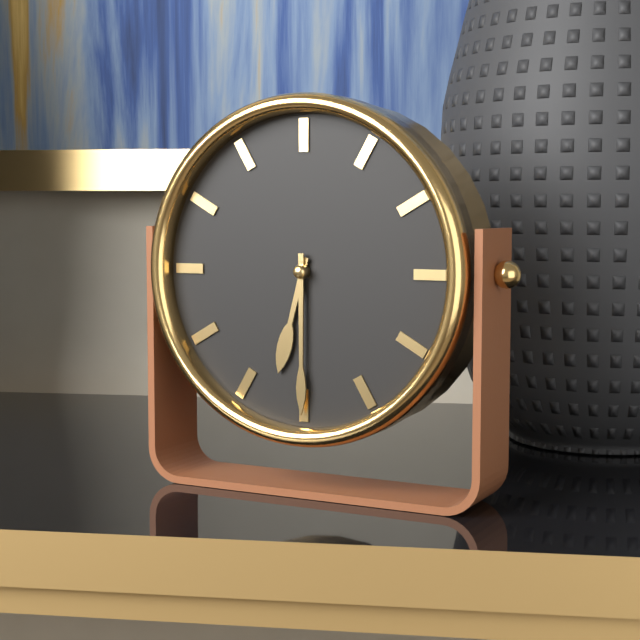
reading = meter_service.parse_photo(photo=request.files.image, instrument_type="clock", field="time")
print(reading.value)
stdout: 6:30
